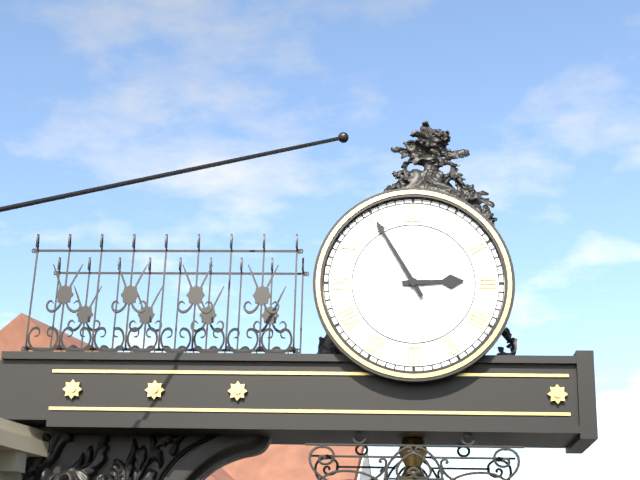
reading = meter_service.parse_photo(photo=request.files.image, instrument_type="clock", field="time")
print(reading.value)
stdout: 2:55
